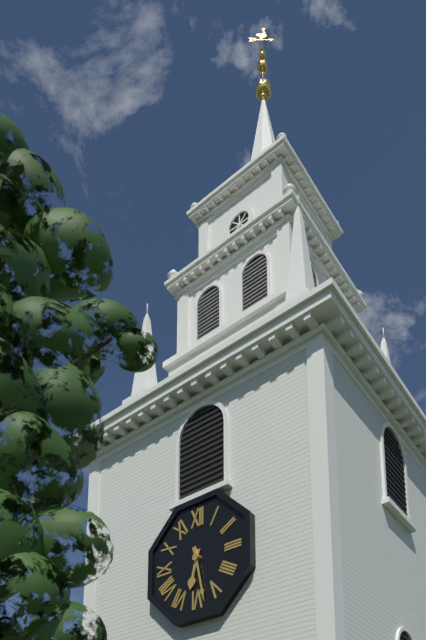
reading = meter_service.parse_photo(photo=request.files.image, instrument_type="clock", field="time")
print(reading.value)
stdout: 6:28
